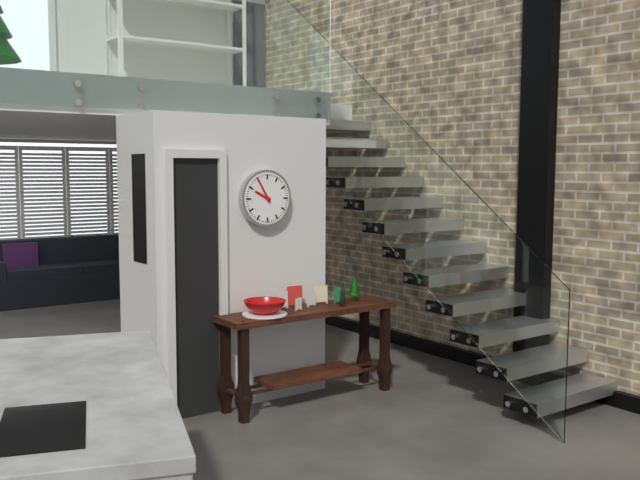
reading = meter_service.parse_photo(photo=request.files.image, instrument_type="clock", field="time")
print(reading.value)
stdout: 9:55
